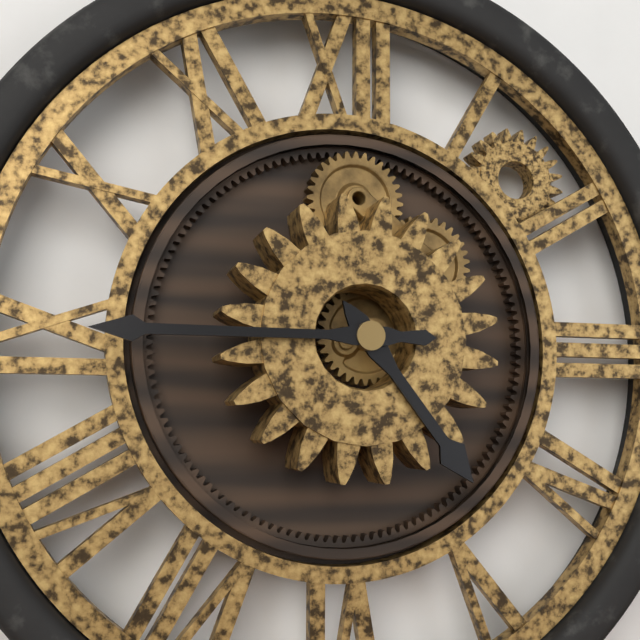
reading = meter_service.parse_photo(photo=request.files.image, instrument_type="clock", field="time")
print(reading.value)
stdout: 4:45
